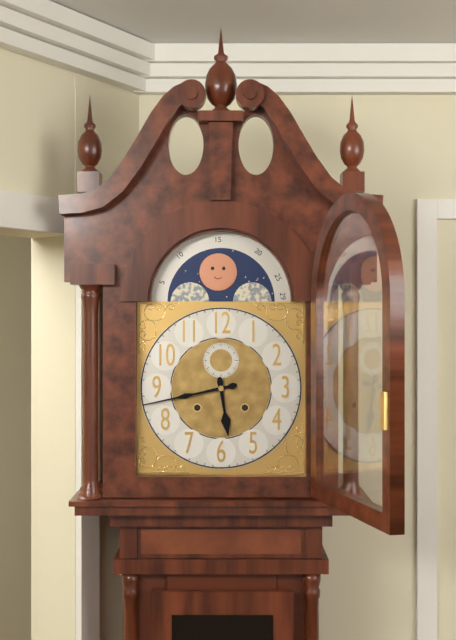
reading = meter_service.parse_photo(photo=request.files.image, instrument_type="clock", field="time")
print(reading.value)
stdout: 5:43
